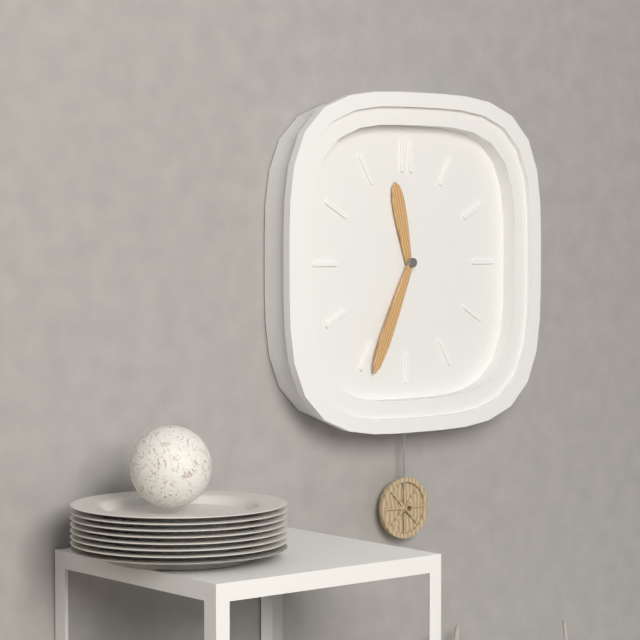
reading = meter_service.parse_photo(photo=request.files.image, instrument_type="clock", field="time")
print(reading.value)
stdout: 11:34
